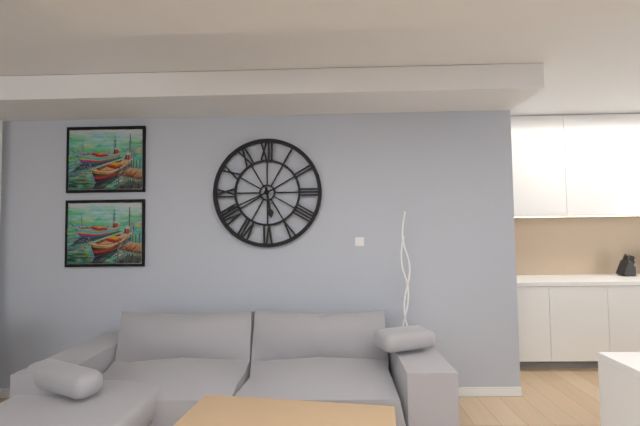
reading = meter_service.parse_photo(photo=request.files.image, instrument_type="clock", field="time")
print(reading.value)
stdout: 5:41
